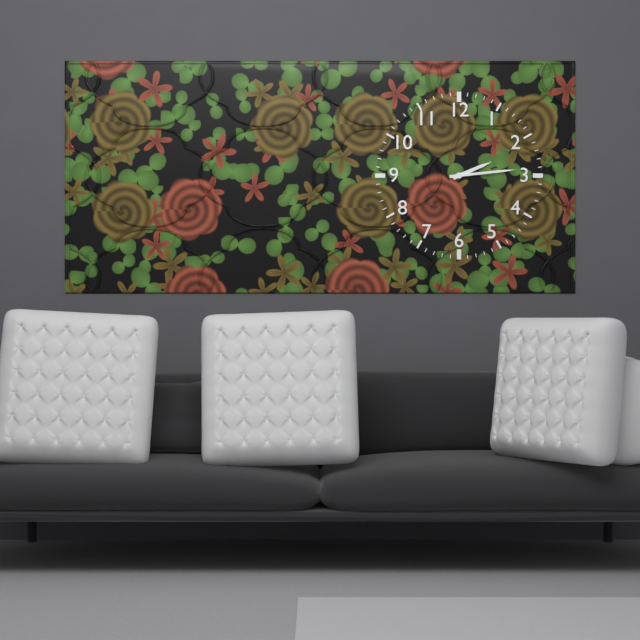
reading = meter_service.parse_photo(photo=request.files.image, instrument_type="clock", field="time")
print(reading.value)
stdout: 2:14
